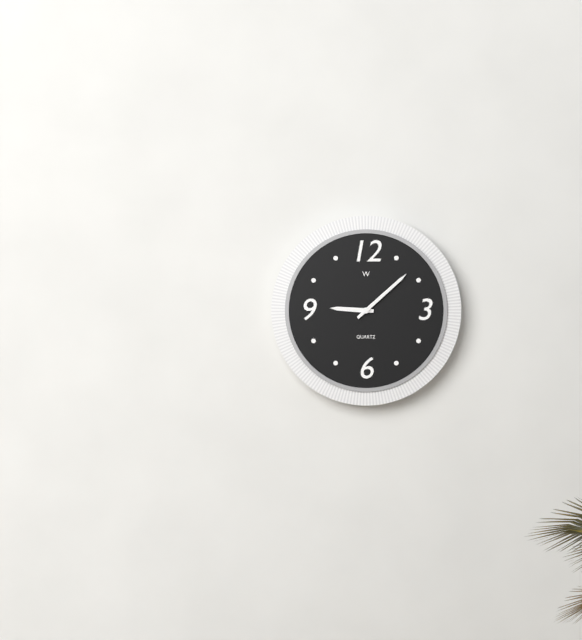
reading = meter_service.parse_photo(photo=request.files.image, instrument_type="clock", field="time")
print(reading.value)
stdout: 9:08
